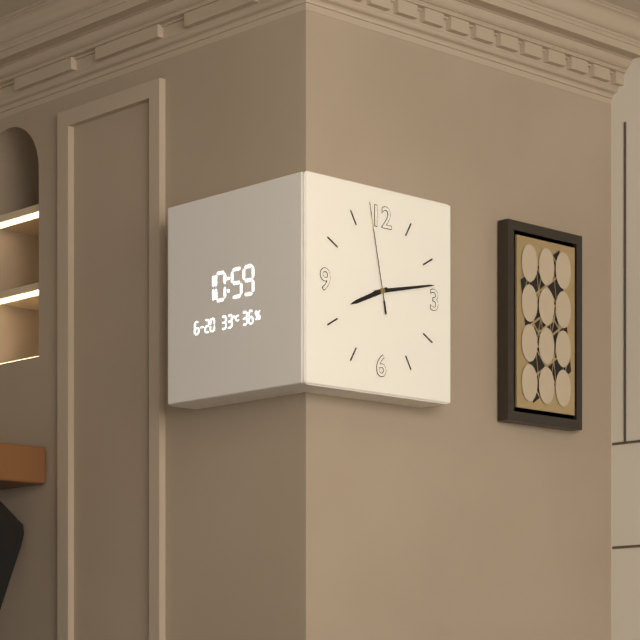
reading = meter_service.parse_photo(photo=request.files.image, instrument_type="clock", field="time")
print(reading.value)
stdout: 8:13:58
